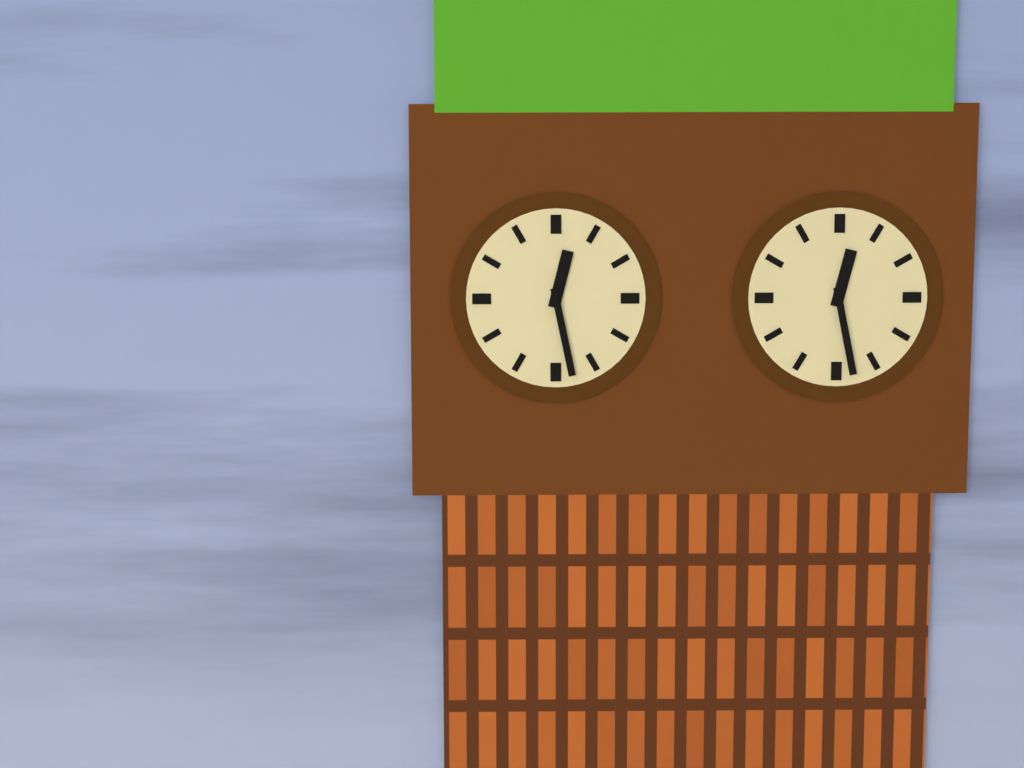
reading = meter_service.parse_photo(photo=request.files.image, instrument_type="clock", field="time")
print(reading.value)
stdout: 12:28
